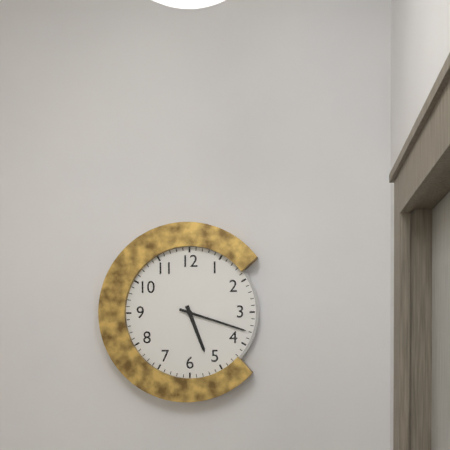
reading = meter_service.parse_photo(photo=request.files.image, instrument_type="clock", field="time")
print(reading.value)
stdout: 5:18
